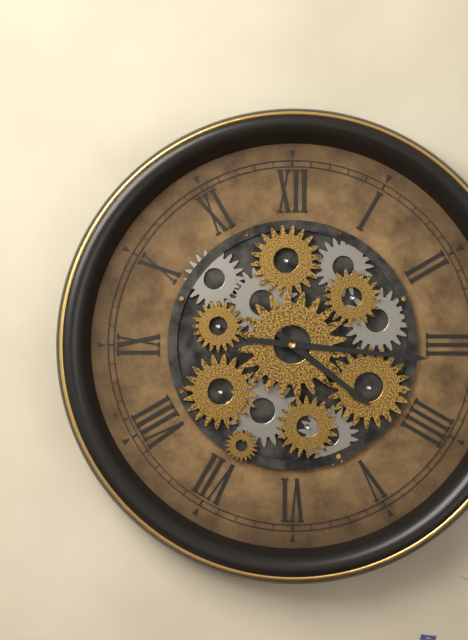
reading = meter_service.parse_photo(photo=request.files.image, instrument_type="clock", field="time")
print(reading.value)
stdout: 4:16
